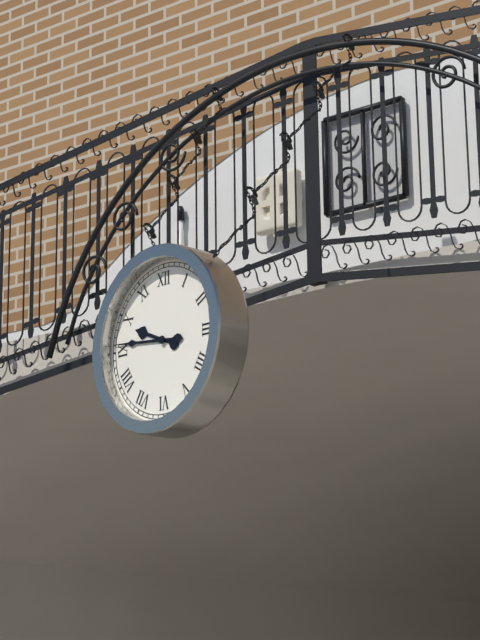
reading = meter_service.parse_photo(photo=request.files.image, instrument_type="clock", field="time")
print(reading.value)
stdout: 9:46
